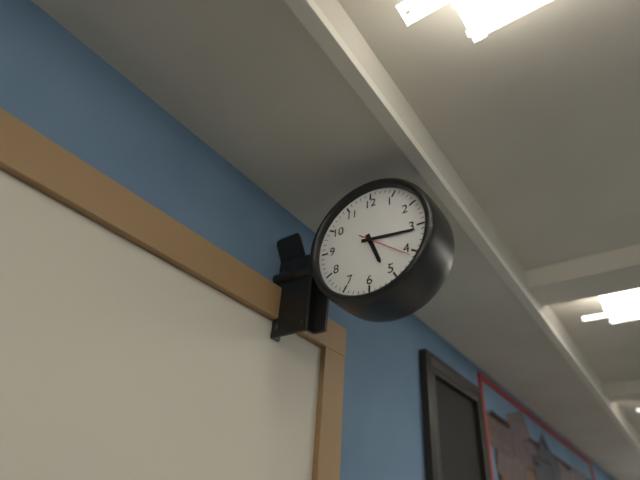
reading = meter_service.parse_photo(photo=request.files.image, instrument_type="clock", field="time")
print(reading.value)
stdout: 5:16
